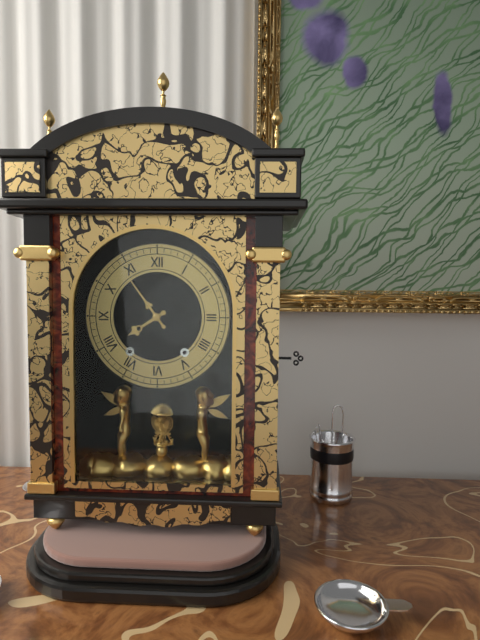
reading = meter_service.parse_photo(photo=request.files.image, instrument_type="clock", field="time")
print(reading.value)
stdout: 7:54
